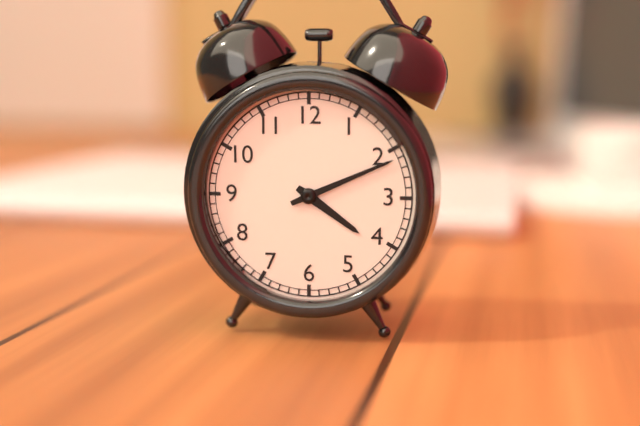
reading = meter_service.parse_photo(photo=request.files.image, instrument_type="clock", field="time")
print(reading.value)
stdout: 4:11
